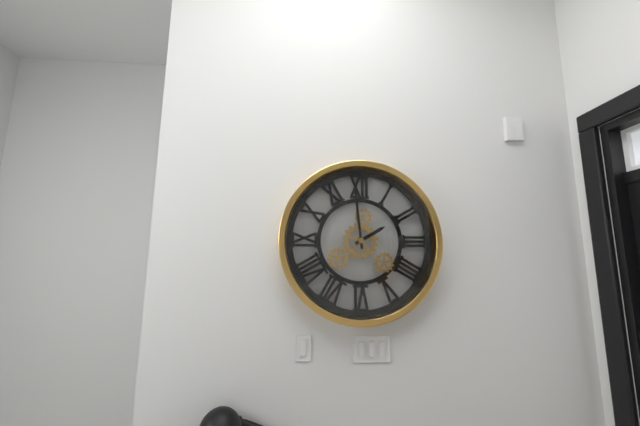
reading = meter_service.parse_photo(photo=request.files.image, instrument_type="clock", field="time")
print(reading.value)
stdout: 1:59
